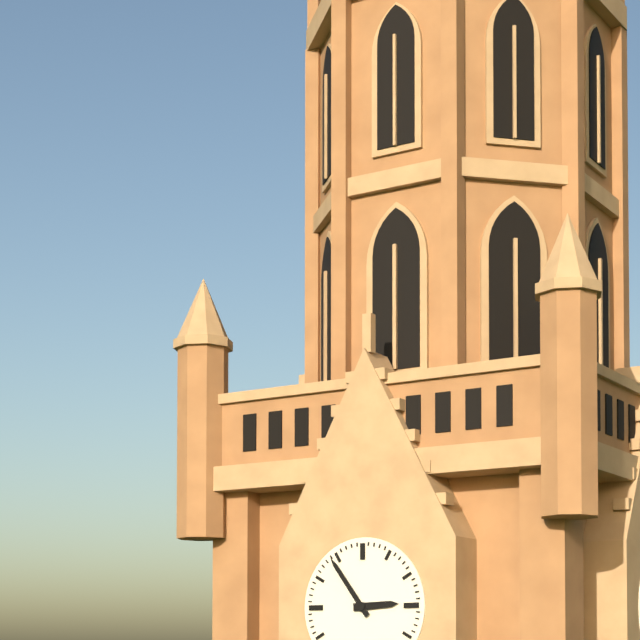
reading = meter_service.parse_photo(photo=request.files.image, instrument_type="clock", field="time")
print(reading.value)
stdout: 2:54
